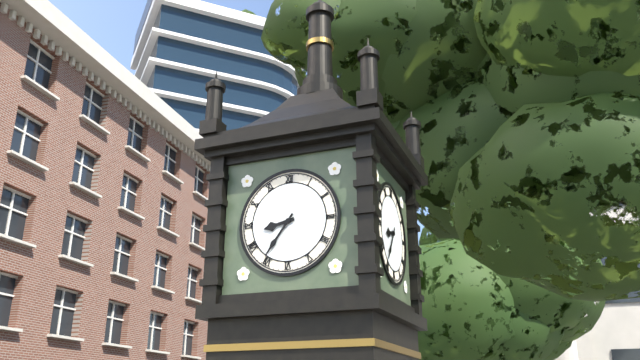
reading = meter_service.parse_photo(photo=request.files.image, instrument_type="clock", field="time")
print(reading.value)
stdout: 8:36
